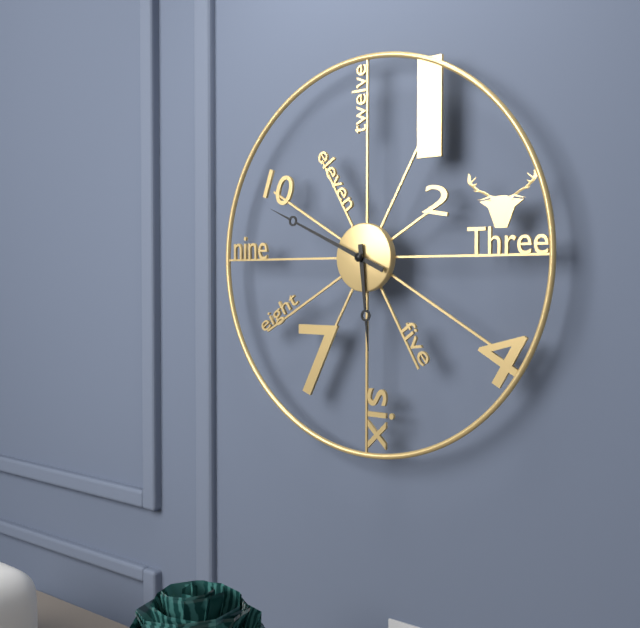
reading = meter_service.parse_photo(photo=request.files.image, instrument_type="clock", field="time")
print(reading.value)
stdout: 5:49
